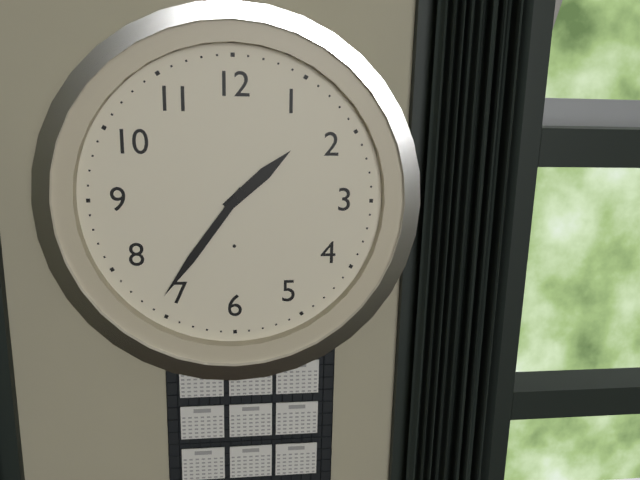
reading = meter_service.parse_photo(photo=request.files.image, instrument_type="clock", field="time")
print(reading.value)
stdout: 1:36
